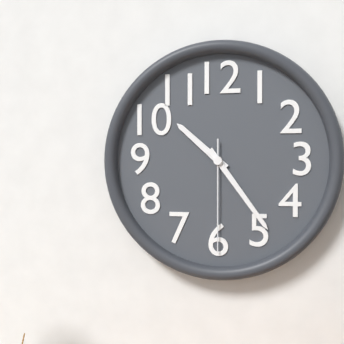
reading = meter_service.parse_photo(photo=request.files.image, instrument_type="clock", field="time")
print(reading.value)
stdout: 10:24:30
